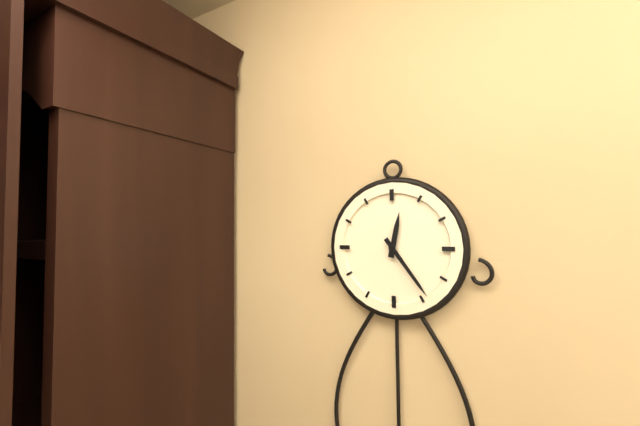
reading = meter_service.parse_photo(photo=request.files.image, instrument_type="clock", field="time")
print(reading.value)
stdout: 12:24
